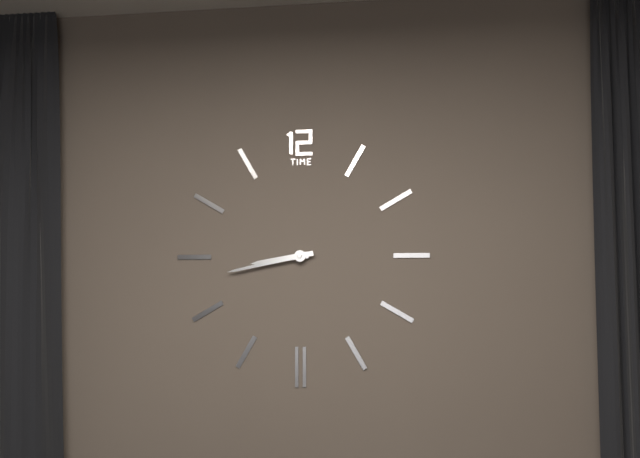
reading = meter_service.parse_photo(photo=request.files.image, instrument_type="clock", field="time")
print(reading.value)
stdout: 8:43
